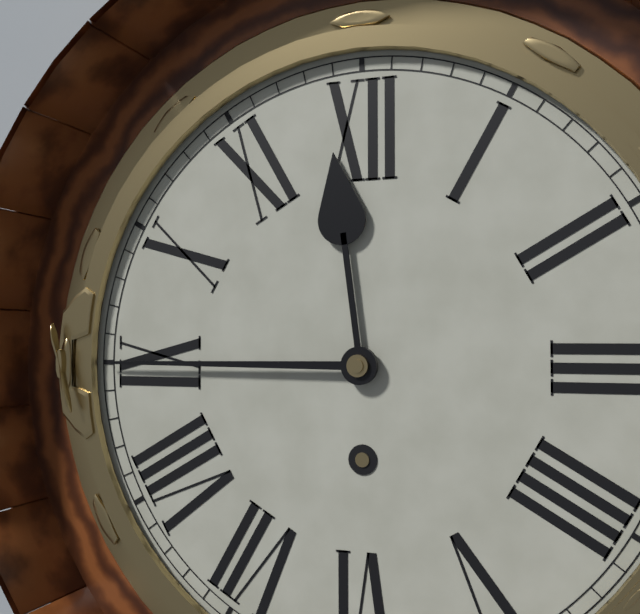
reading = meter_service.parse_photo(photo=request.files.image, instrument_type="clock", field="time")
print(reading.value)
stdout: 11:45
